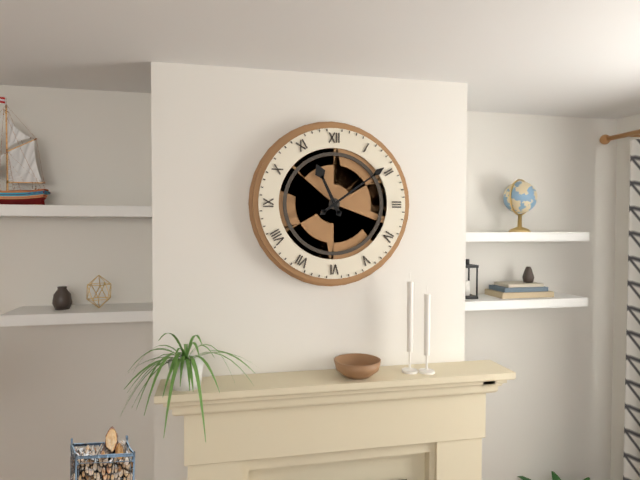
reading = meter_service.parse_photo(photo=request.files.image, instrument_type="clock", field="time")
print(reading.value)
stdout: 11:09
